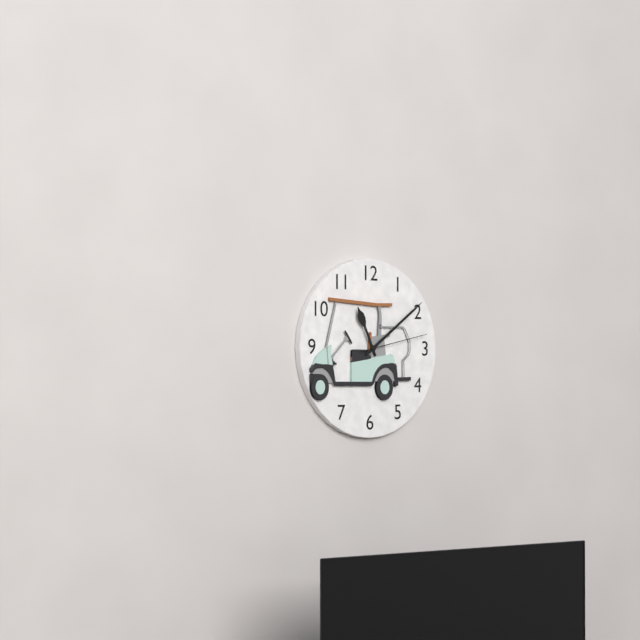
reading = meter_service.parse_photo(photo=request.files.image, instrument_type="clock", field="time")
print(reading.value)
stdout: 11:09:13
